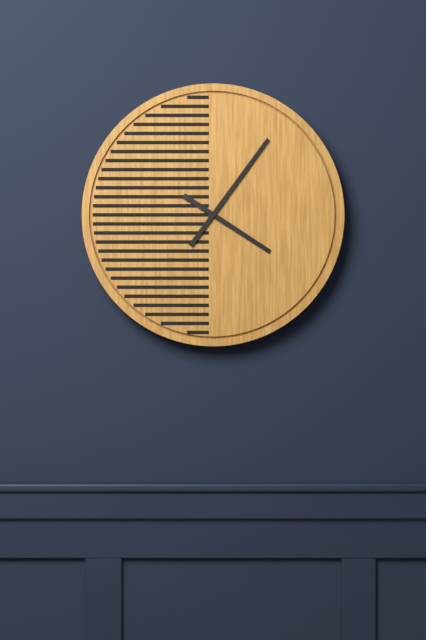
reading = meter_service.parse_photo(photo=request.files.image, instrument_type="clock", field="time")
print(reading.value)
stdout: 4:06
